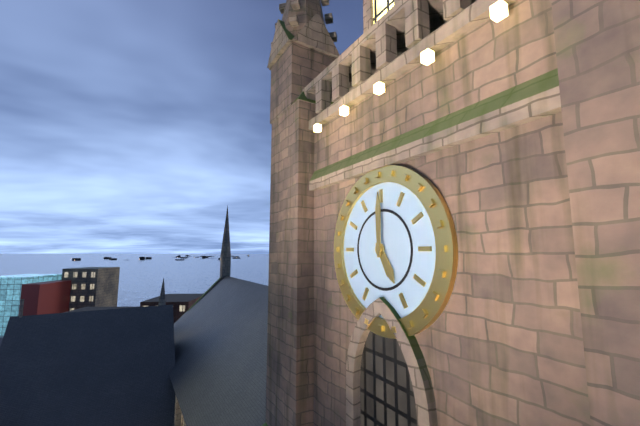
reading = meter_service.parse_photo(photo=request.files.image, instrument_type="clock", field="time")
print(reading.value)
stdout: 5:00
